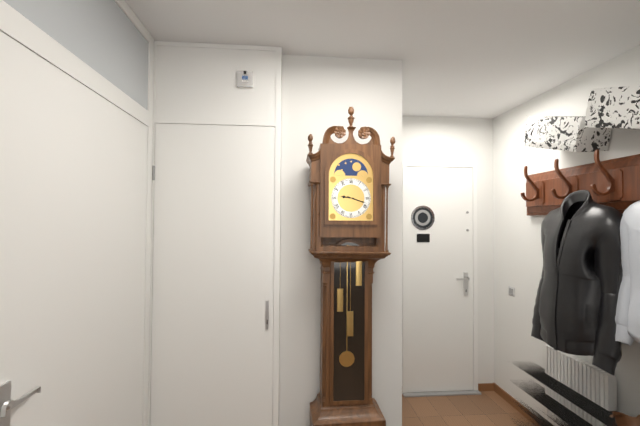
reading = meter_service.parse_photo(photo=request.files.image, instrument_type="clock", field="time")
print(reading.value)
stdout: 9:18
